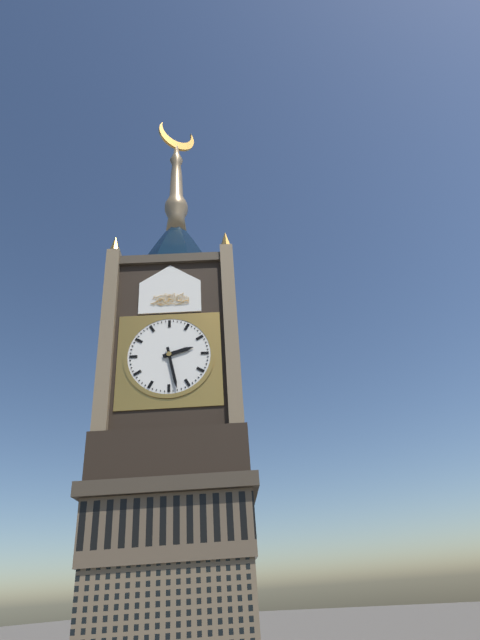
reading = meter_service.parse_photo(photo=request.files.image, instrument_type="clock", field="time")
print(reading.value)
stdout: 2:28
